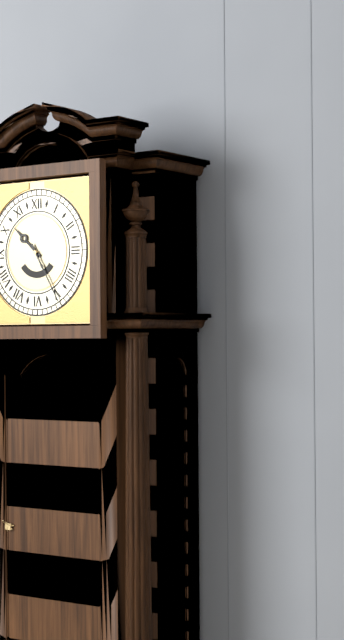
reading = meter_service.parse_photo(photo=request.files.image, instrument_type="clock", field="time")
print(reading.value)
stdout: 10:25
